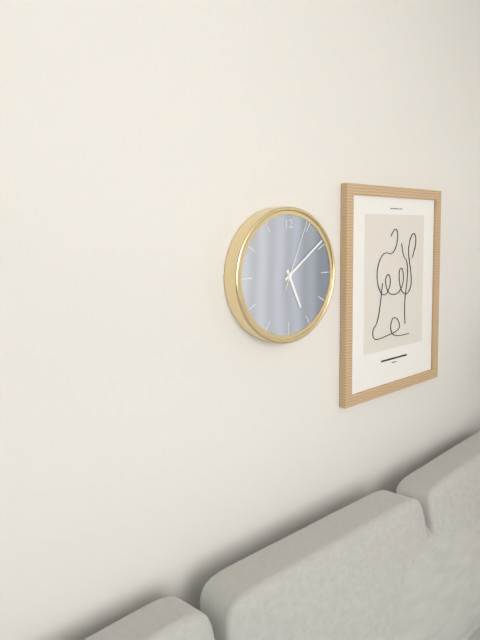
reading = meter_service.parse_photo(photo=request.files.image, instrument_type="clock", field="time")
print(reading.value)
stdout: 5:09:04
